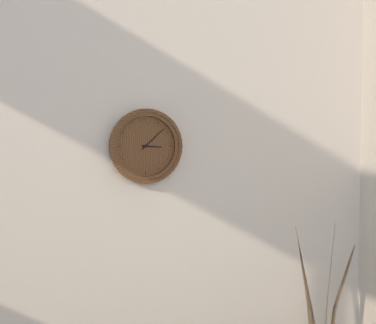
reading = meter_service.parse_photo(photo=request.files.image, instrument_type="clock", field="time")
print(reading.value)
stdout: 3:08
